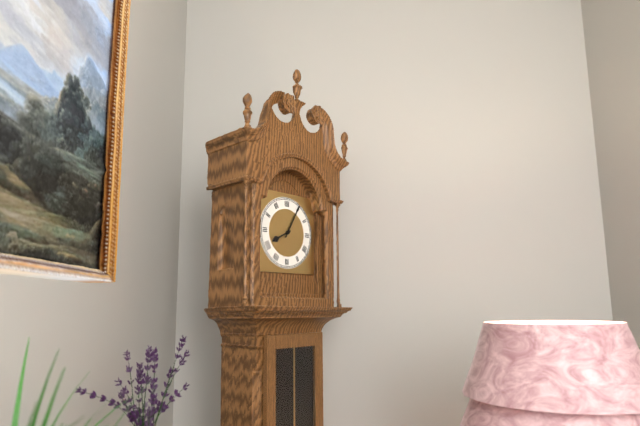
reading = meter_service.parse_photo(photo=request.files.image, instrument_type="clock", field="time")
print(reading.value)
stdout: 8:05
